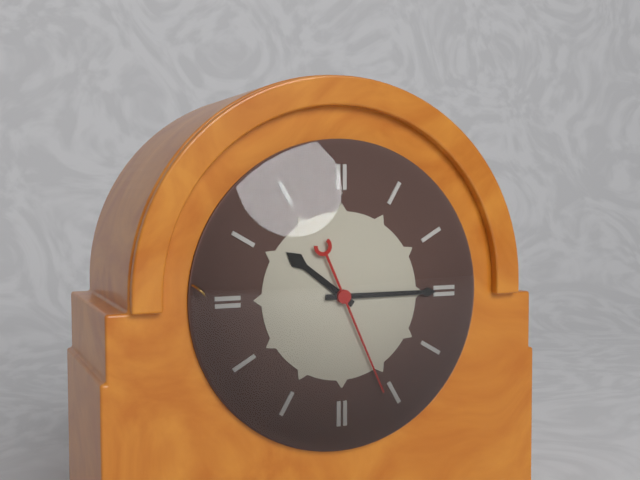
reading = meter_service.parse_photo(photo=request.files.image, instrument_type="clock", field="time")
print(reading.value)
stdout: 10:15:26
